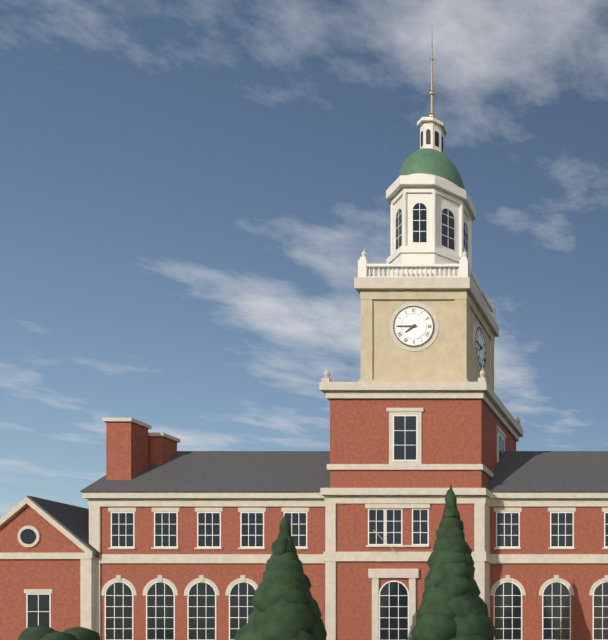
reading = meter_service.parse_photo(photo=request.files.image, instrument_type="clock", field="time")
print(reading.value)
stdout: 7:45
